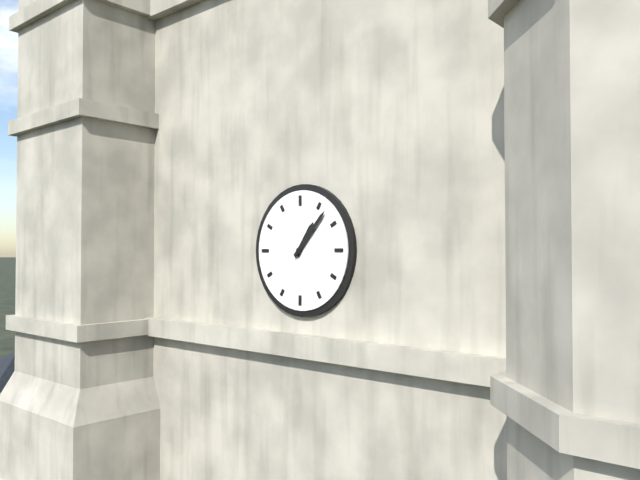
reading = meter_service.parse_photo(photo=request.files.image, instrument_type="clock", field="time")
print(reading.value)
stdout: 1:07
